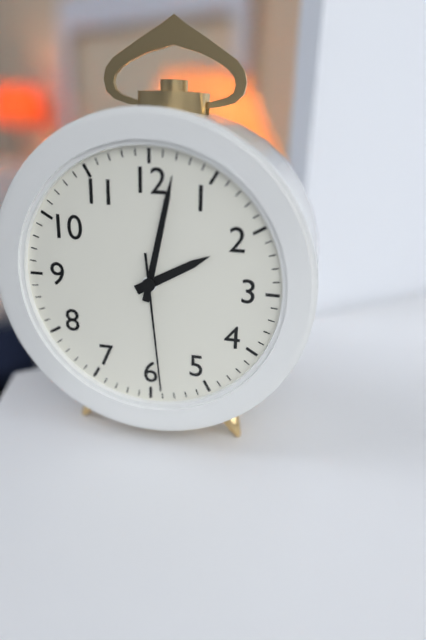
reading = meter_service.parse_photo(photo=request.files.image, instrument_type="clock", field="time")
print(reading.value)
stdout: 2:02:29
